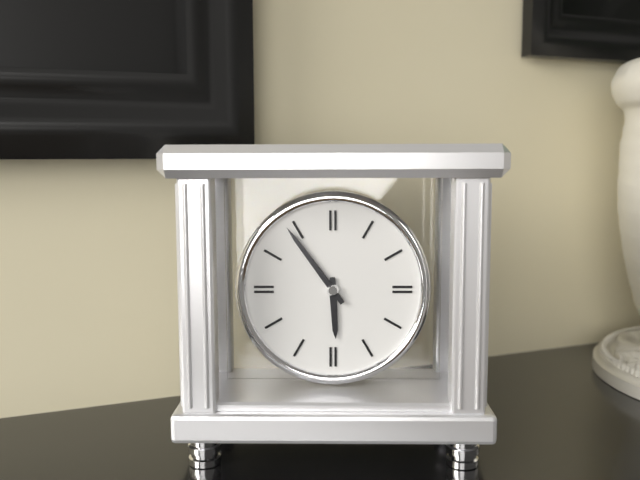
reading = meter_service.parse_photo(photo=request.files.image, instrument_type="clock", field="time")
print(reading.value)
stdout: 5:54
